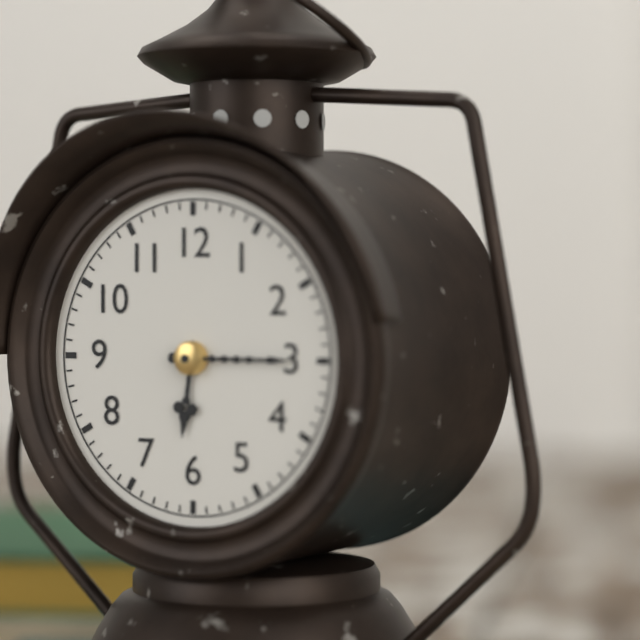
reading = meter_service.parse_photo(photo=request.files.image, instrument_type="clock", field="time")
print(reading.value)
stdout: 6:15
